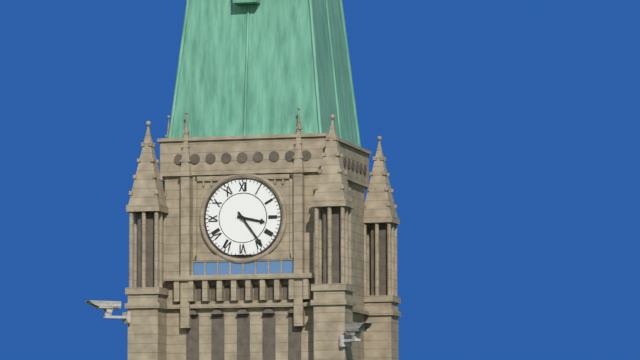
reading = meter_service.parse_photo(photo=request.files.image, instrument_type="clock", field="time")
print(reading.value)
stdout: 3:24
